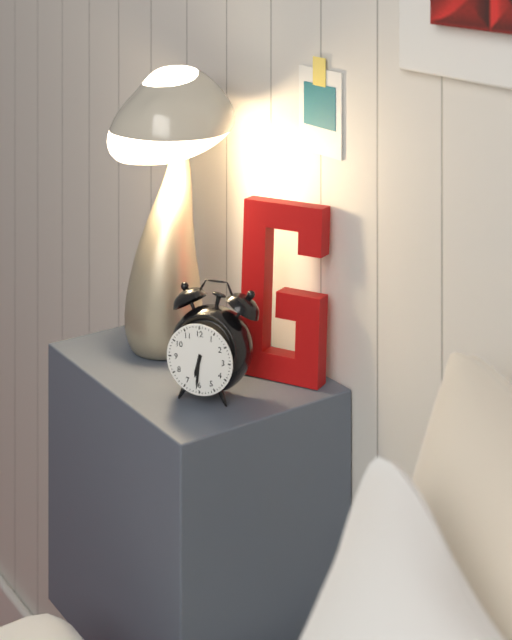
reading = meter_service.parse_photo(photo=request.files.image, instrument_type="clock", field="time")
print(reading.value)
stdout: 6:31
